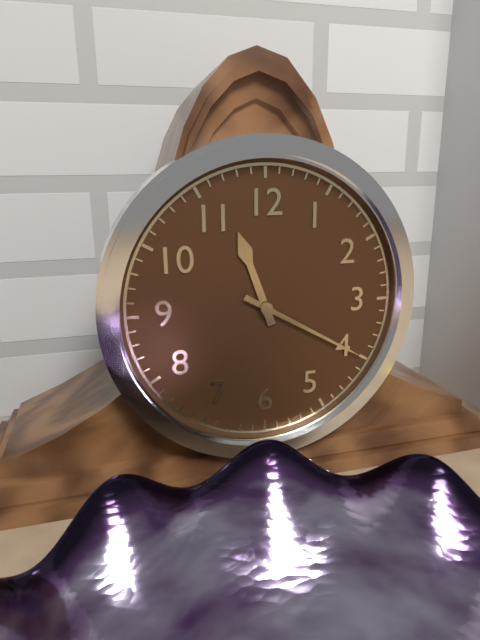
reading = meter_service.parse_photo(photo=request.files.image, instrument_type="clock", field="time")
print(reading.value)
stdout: 11:20
